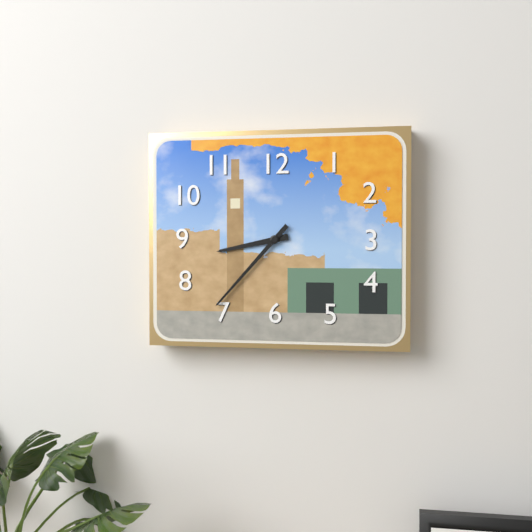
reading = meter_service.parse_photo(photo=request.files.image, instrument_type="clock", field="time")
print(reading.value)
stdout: 8:37
